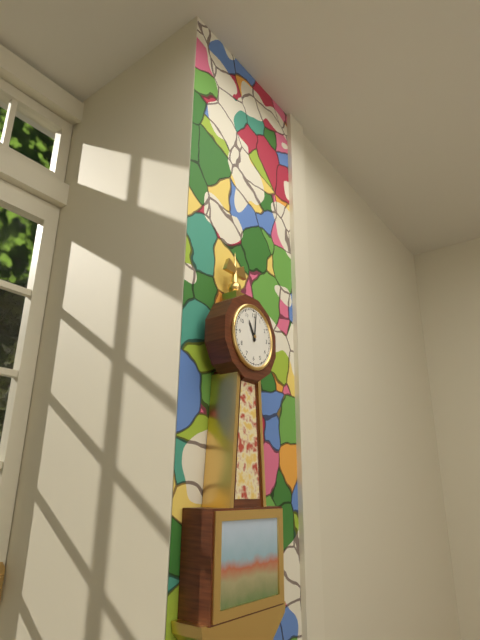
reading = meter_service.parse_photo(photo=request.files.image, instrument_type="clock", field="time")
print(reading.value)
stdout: 11:01
